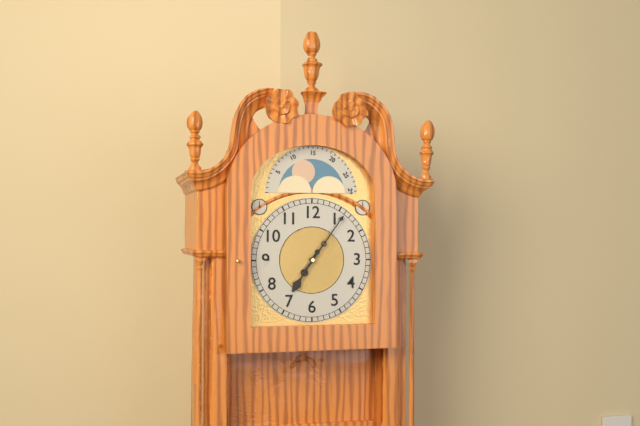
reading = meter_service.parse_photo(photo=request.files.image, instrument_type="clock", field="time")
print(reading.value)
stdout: 7:06
